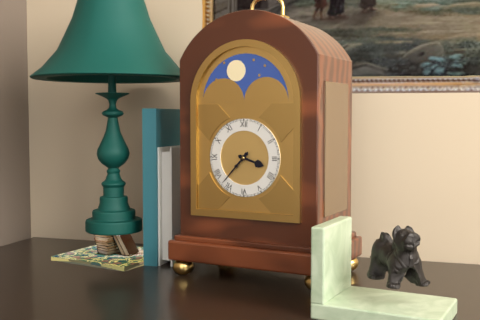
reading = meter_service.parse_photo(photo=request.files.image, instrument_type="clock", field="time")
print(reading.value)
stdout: 3:37
